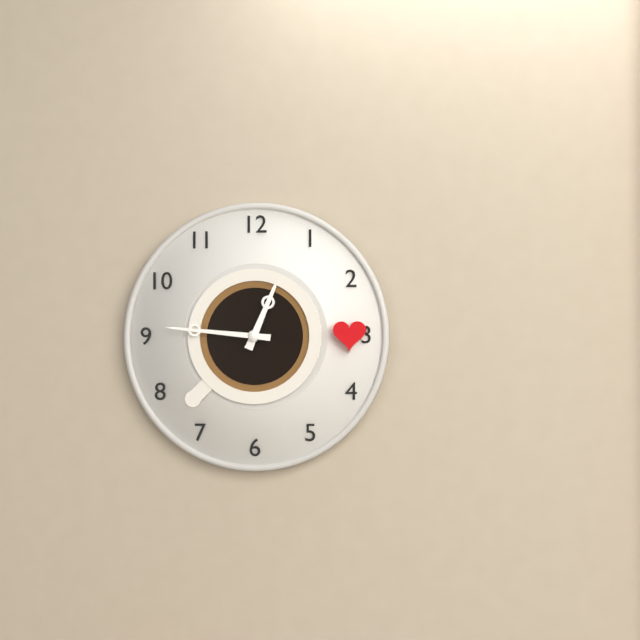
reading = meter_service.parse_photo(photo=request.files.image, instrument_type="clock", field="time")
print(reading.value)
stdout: 12:46
